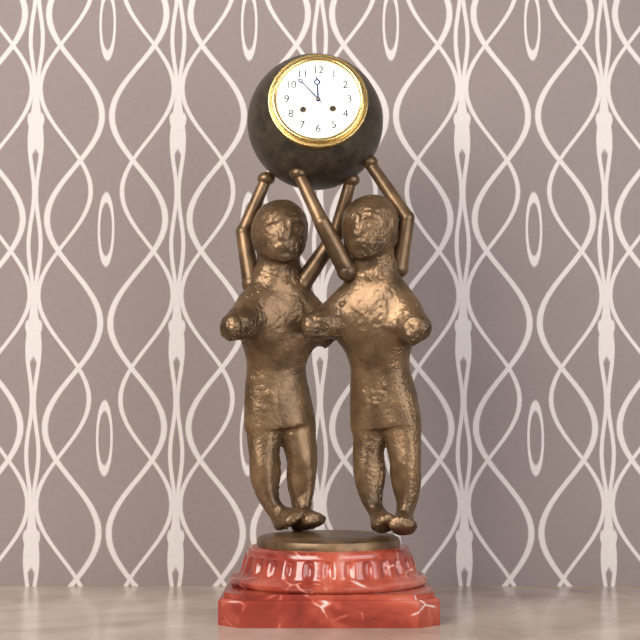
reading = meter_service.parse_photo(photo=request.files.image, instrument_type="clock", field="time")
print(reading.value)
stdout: 11:53
